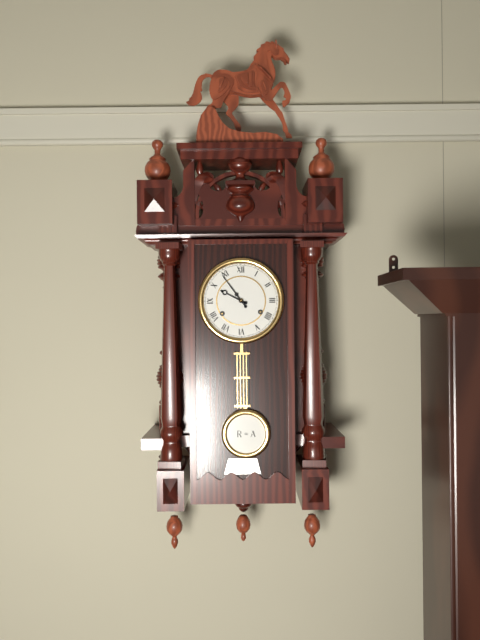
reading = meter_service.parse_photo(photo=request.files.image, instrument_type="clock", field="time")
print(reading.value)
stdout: 9:54
